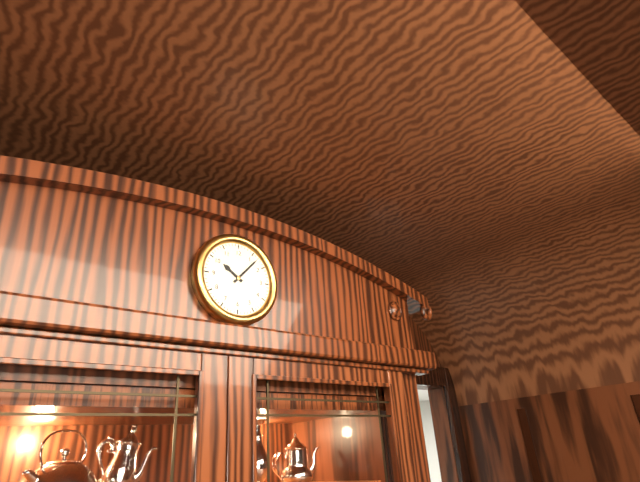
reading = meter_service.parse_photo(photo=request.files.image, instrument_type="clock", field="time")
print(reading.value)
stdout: 10:07
